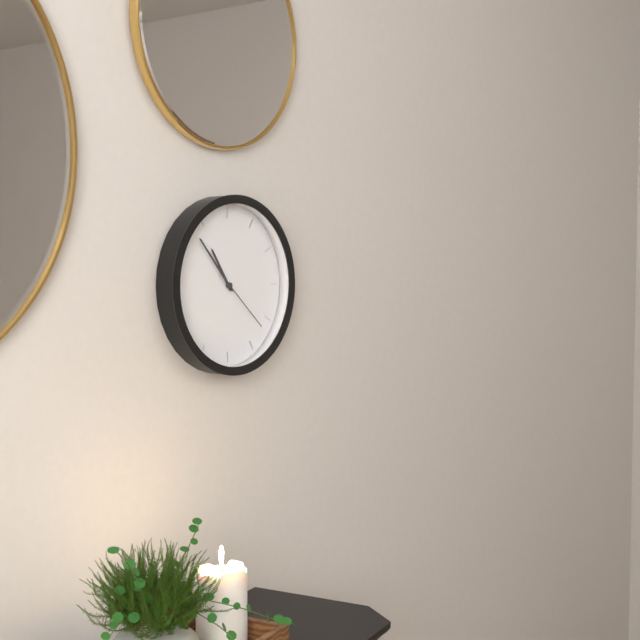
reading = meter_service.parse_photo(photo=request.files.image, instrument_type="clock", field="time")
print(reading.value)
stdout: 10:53:22
